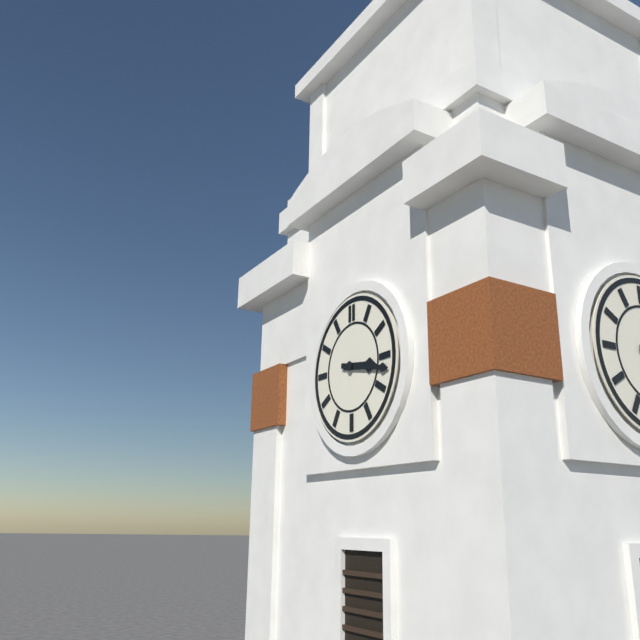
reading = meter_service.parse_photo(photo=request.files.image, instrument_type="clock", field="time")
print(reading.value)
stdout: 3:17
